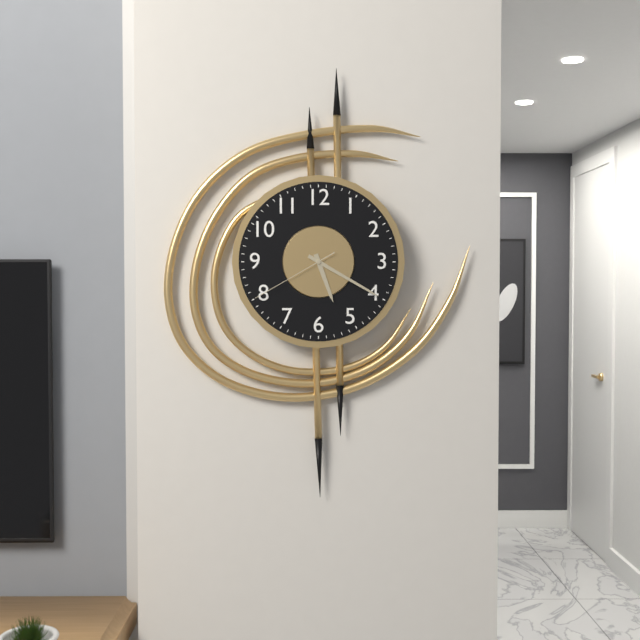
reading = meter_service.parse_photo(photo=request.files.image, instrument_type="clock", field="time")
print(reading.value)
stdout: 5:20:40
